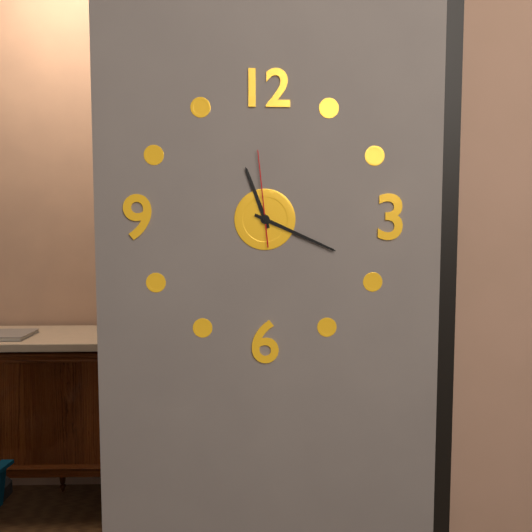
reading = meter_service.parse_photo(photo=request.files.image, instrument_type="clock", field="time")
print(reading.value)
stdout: 11:19:59
